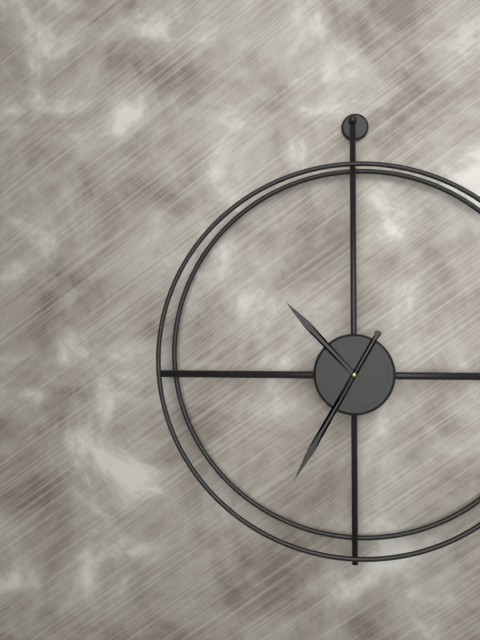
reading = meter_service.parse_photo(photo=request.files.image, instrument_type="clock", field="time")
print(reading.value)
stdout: 10:35
